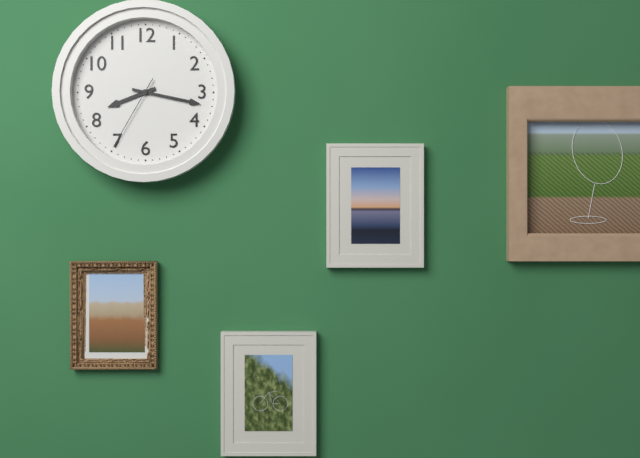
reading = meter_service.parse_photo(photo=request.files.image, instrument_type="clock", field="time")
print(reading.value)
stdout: 8:17:35
